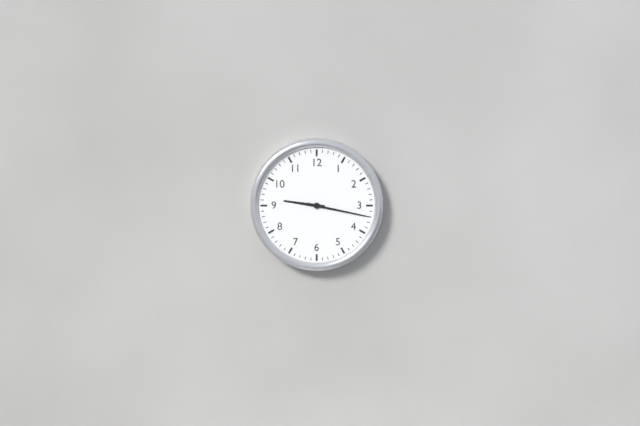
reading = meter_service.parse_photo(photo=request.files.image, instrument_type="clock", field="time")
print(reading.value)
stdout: 9:17
